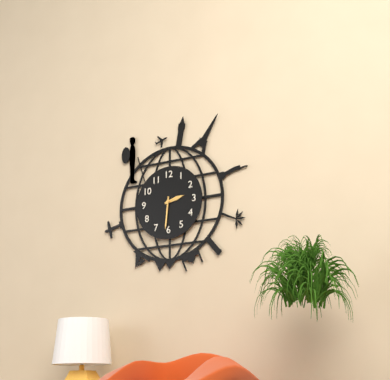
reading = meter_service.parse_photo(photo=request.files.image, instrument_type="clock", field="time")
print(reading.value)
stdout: 2:31
